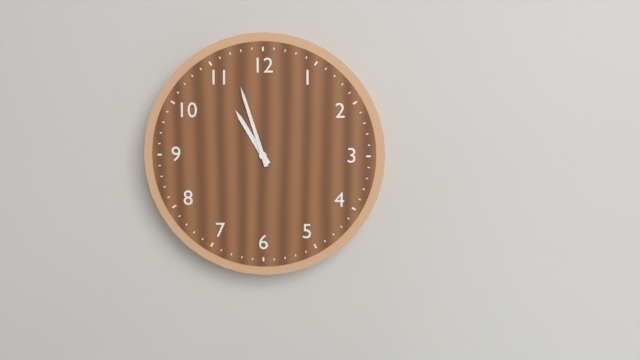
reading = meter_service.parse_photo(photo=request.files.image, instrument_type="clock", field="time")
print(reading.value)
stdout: 10:57
